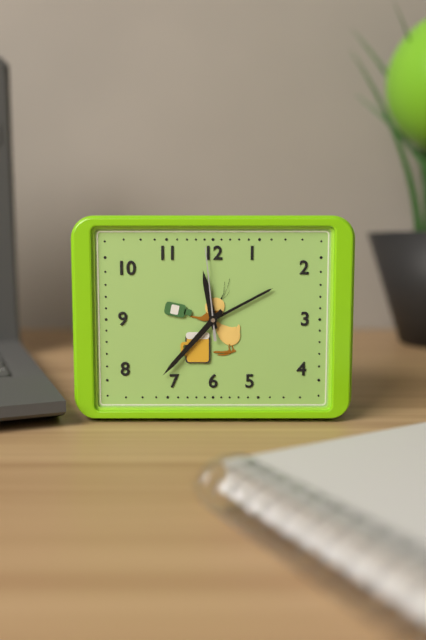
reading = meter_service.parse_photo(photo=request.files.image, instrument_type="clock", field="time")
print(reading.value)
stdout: 11:37:59
